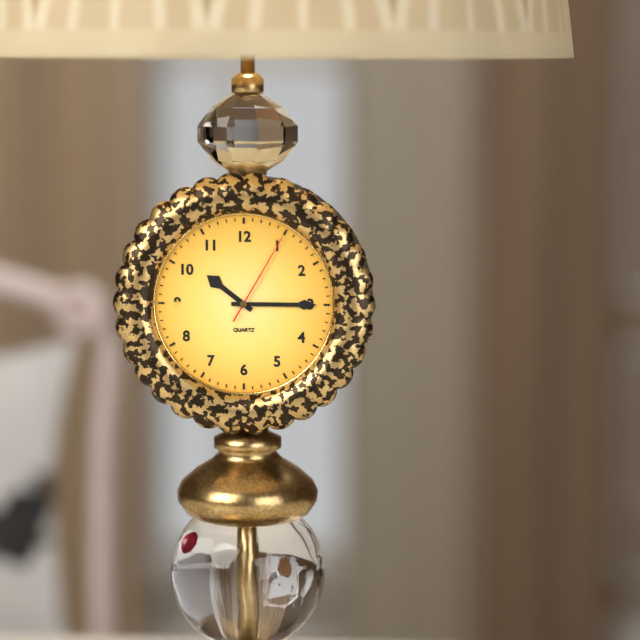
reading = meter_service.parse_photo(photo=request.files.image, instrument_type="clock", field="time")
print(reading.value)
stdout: 10:15:05
